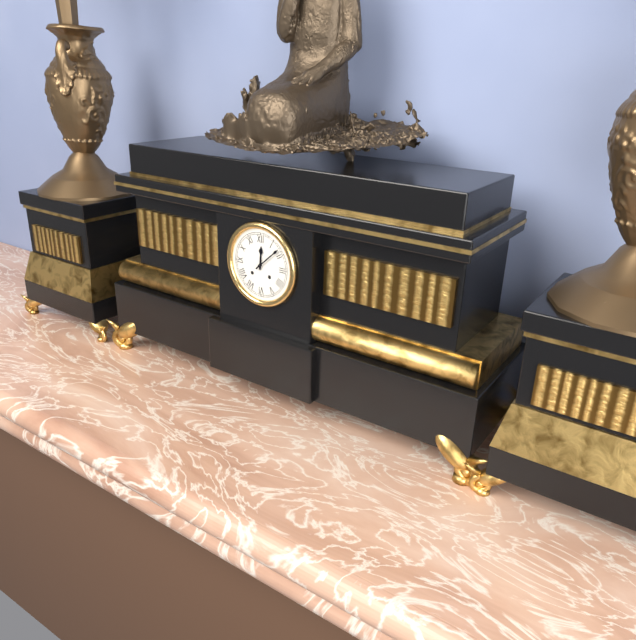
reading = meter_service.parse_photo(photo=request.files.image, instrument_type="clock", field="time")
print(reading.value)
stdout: 12:08
